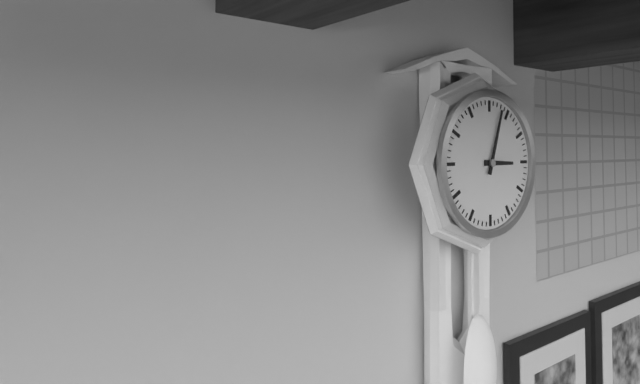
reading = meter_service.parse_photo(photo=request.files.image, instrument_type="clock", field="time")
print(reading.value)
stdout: 3:03
